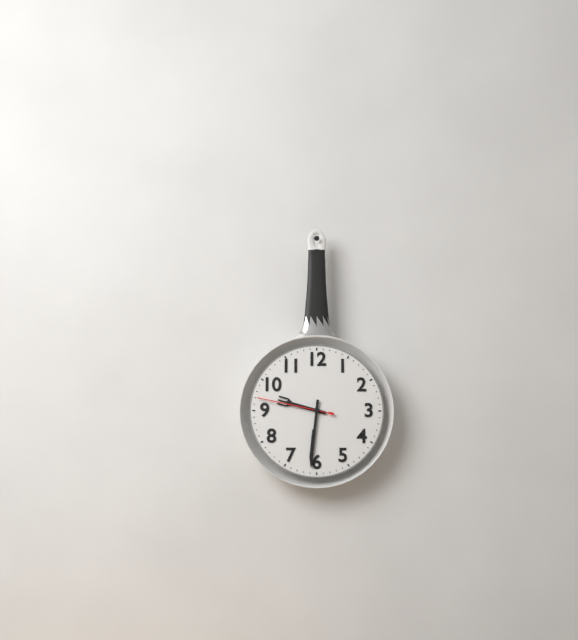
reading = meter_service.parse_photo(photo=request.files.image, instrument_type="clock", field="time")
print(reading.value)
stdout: 9:31:47
